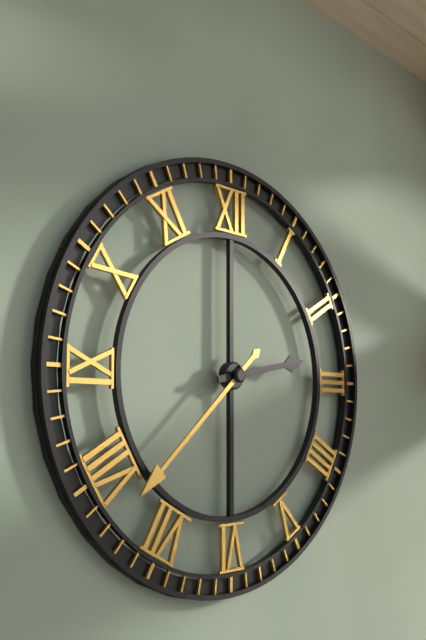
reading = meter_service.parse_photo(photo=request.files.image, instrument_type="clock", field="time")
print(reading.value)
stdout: 2:38
